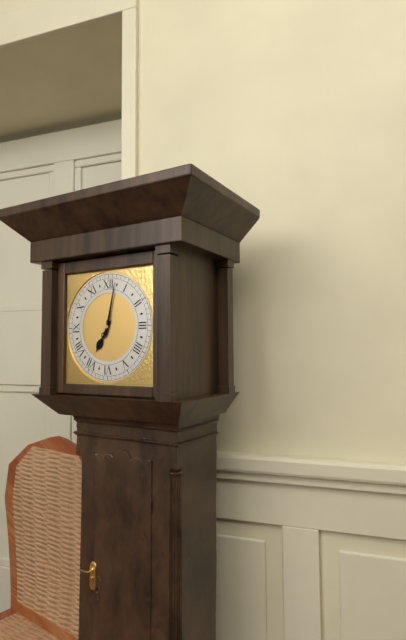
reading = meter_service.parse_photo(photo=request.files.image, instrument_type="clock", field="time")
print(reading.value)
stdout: 7:02
